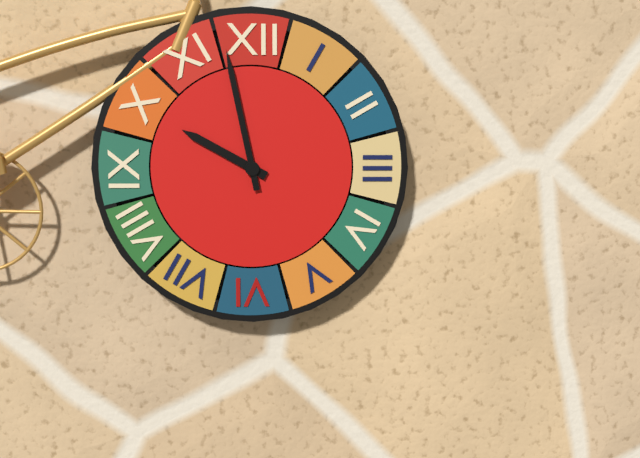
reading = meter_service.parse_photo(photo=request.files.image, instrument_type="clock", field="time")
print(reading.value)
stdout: 9:58
